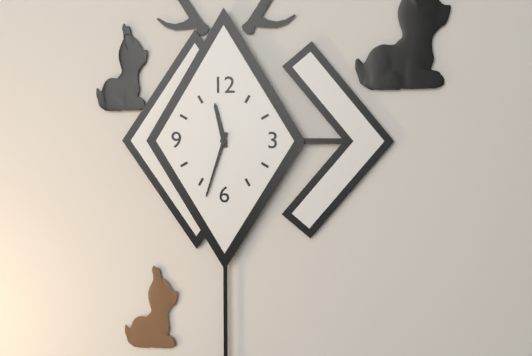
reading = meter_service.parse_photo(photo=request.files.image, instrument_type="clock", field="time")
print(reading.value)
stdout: 11:33
